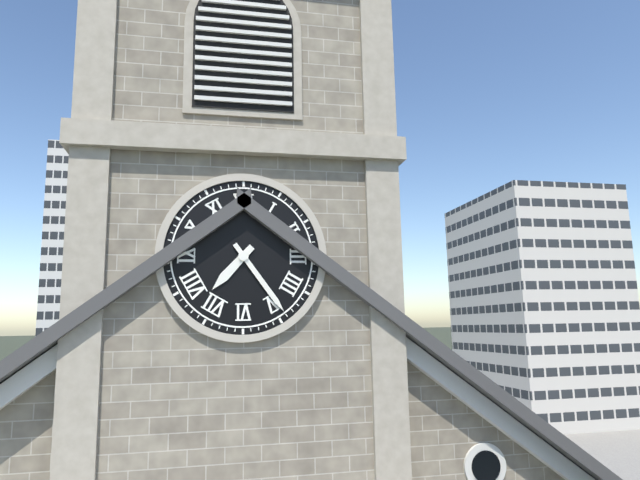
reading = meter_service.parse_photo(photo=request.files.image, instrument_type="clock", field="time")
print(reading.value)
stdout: 7:24
